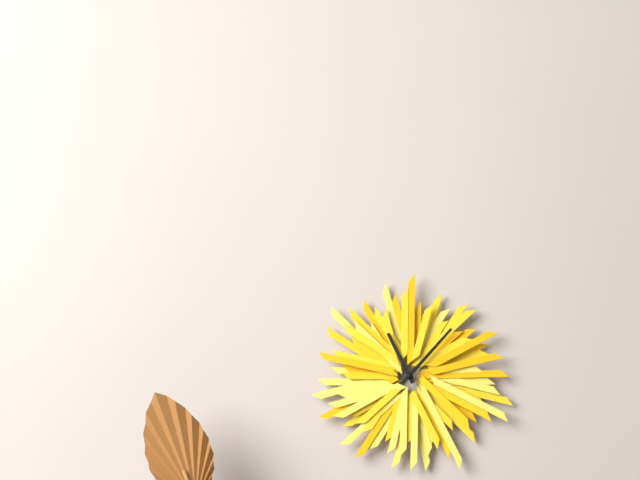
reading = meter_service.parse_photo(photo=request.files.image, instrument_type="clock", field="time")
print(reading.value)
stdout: 11:07
